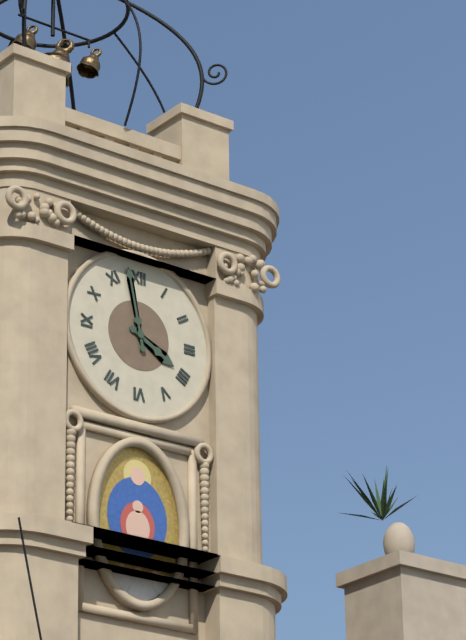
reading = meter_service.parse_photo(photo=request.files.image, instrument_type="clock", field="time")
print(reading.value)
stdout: 3:58
